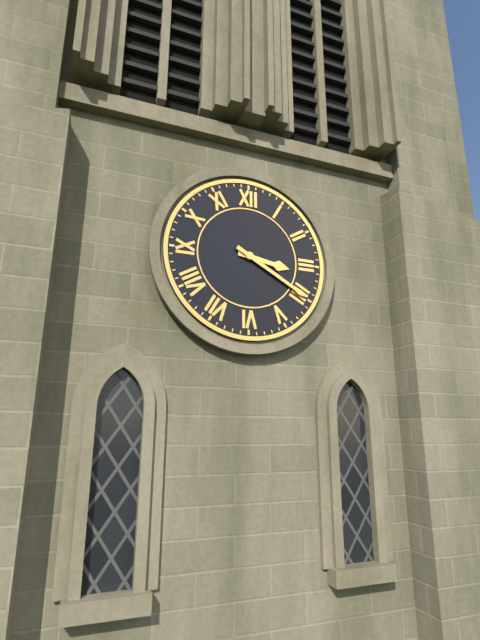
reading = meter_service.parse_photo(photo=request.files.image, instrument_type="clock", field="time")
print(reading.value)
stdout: 3:20
